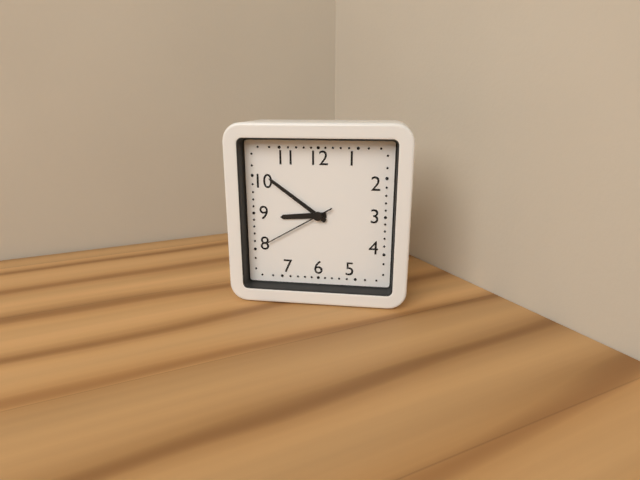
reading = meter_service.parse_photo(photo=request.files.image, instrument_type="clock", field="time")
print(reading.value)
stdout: 8:51:40
